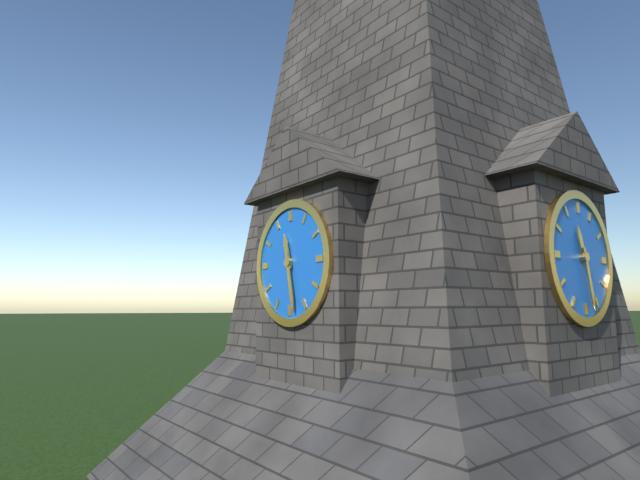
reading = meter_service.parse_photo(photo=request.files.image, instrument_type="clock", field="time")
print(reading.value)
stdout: 11:28
